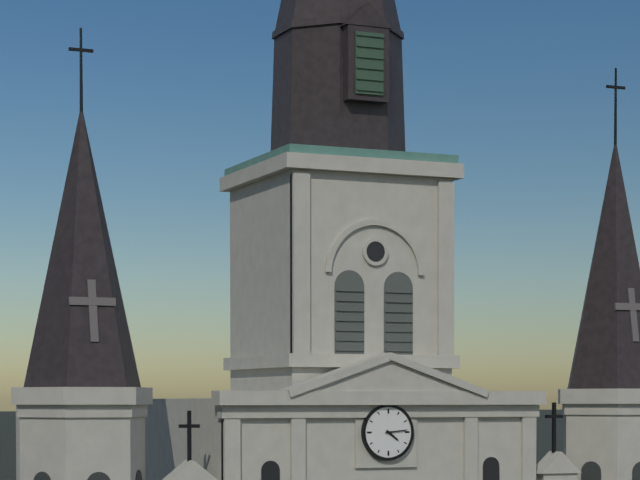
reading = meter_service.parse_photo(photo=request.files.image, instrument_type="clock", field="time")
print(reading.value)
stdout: 4:14
